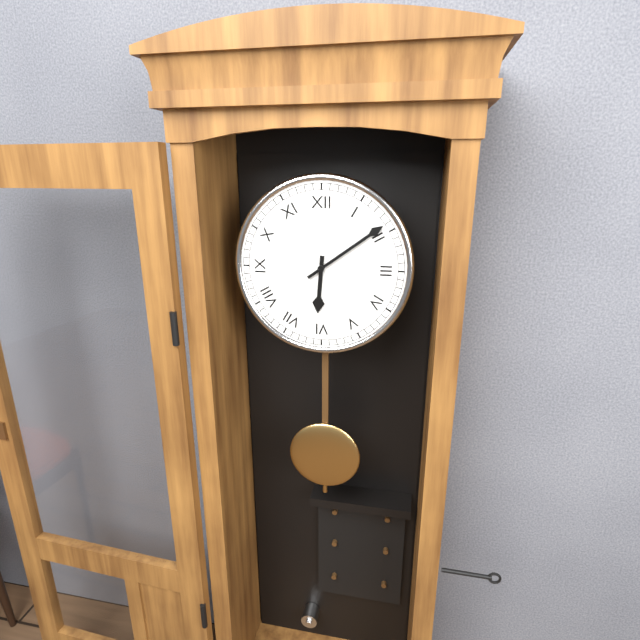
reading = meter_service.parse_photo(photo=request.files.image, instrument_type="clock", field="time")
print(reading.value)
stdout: 6:09
